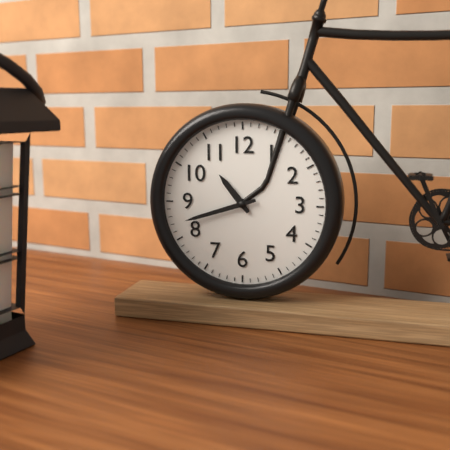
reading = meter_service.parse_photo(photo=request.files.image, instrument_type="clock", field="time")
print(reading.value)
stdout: 10:42
